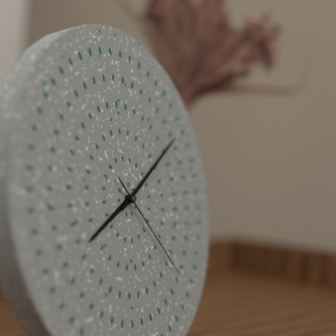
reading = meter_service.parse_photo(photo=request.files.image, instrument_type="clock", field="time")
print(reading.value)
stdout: 8:10:23
